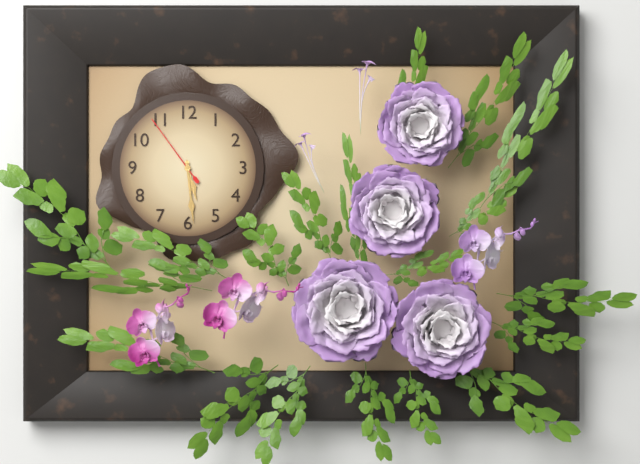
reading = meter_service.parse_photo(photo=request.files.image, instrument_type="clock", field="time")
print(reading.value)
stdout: 5:29:54
